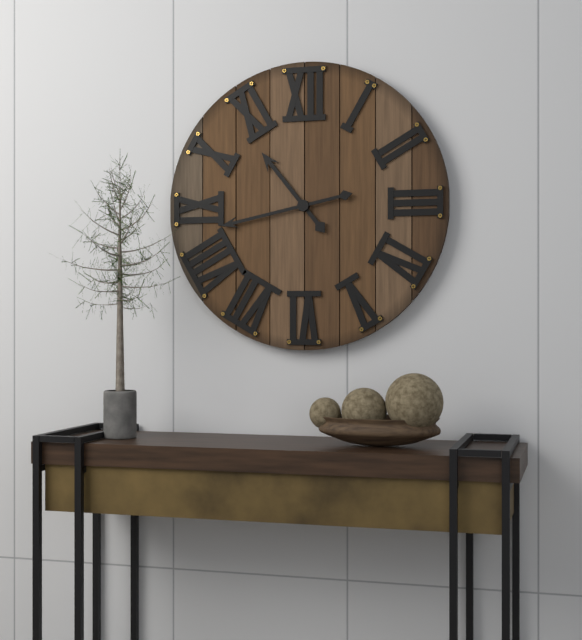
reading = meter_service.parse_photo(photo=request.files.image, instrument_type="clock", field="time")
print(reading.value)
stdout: 10:43
